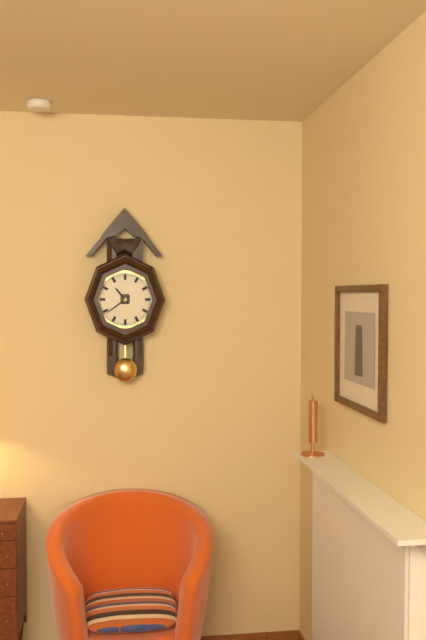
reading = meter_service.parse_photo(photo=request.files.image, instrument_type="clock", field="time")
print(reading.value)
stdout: 10:39
